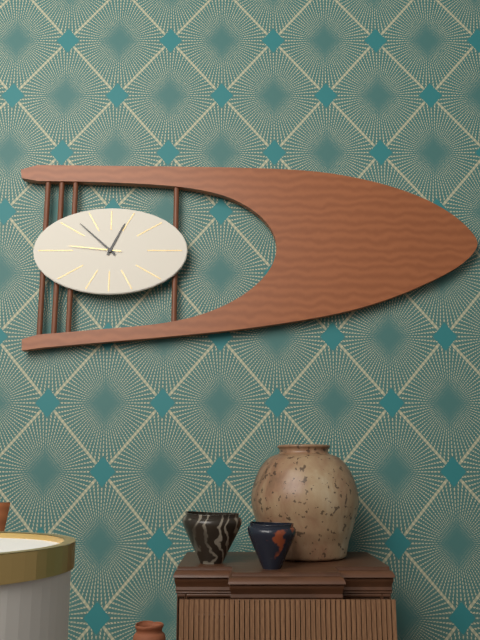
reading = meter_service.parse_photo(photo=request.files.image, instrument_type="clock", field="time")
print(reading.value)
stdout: 12:52:46
